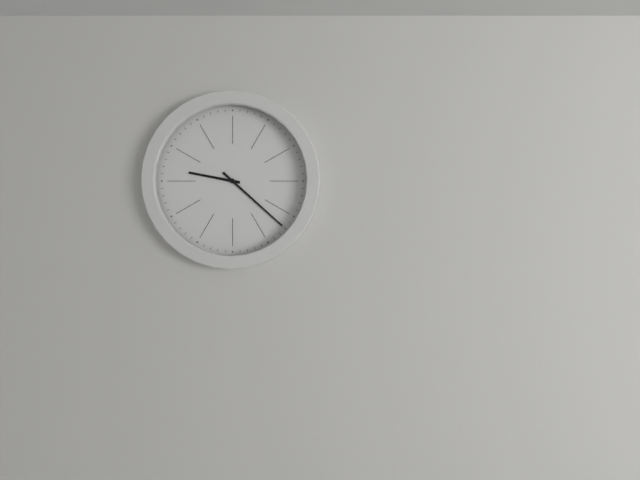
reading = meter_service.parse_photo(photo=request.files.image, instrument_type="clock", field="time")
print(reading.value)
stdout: 9:22
